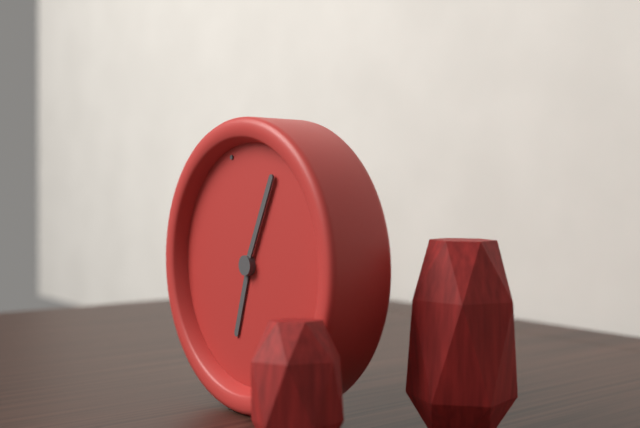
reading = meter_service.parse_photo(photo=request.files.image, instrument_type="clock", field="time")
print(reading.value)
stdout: 7:07
